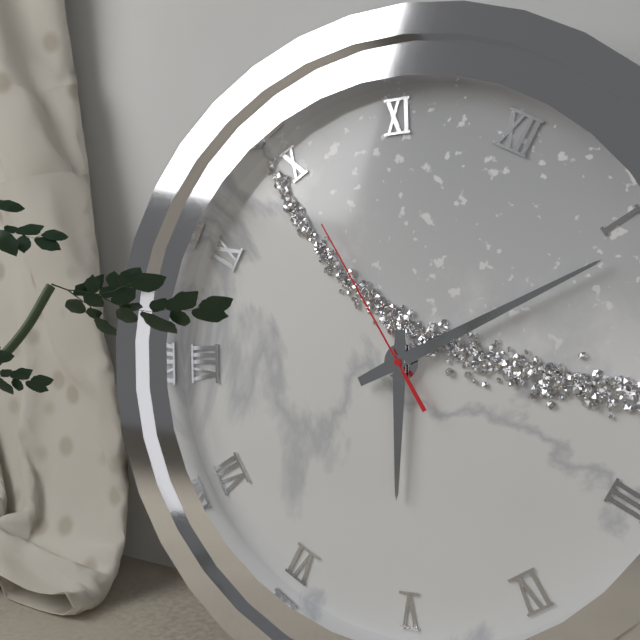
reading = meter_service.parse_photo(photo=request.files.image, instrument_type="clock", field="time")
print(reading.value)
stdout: 5:06:50
